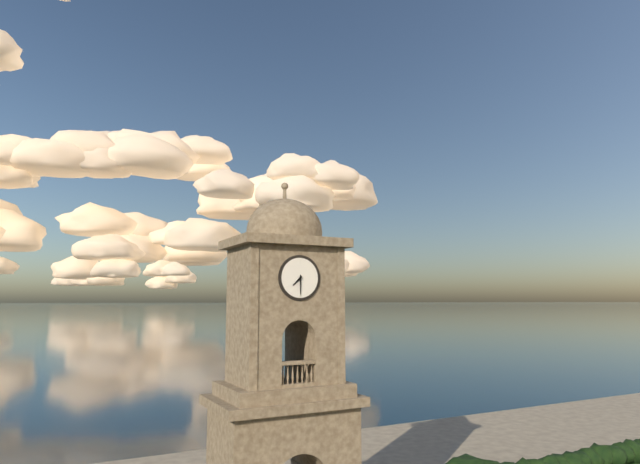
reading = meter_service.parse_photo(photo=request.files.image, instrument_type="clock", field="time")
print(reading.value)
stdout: 7:30
